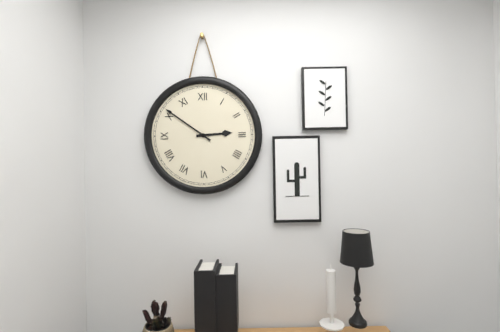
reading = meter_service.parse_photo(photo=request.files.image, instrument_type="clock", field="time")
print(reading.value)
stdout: 2:51
